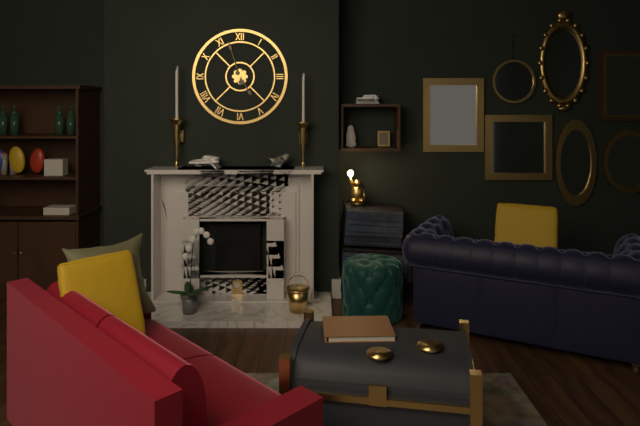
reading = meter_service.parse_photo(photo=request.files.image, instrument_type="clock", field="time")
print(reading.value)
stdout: 4:57
